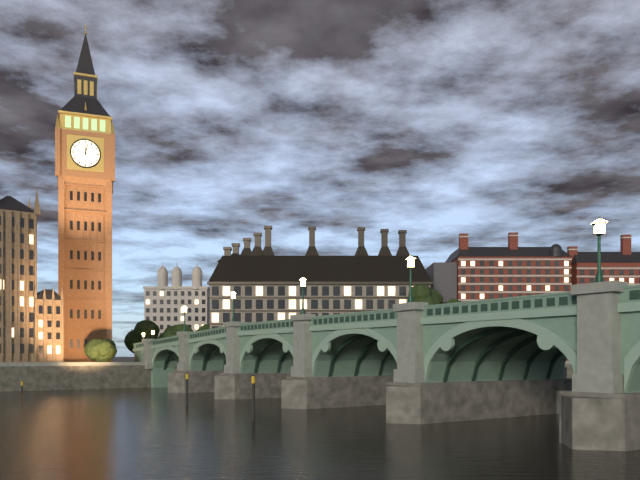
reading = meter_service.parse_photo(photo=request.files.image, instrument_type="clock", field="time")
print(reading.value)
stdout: 12:02
